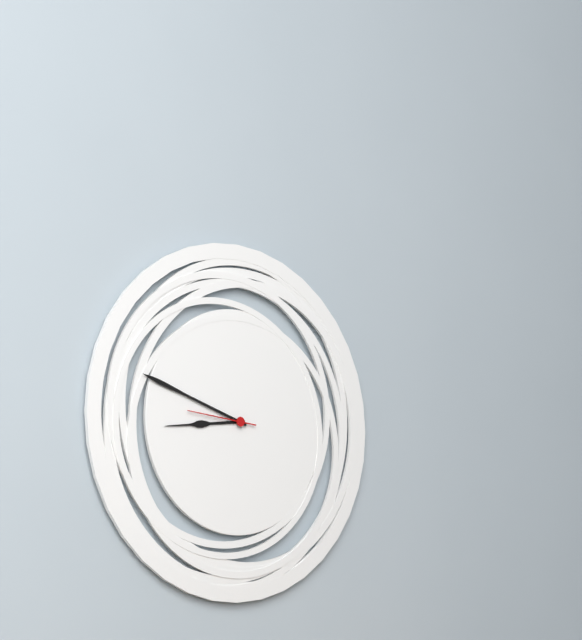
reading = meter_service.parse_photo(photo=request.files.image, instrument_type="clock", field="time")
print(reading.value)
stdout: 8:48:46
